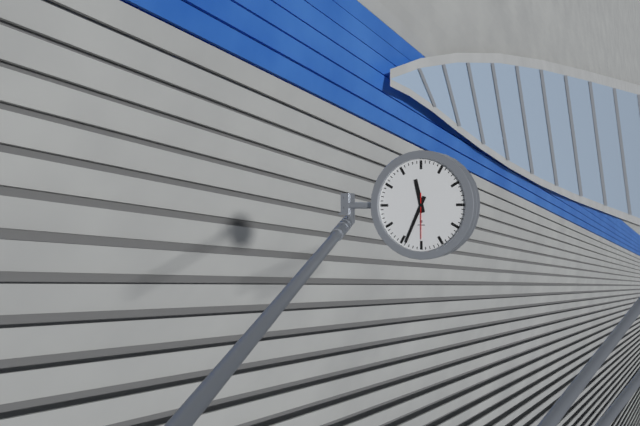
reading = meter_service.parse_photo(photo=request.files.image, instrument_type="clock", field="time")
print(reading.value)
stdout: 11:34
